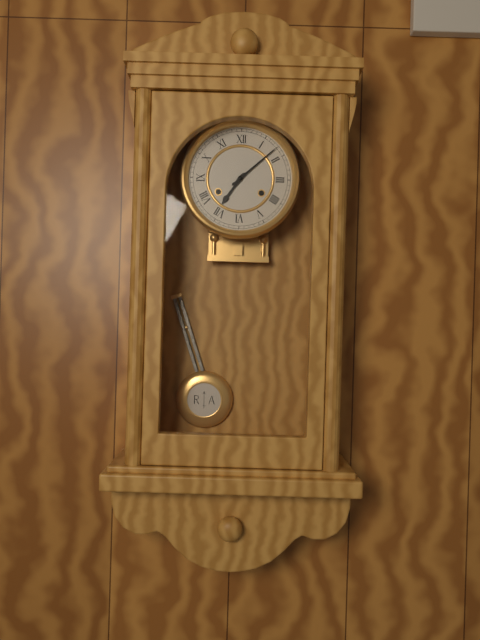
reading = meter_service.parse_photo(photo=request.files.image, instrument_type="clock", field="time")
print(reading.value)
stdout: 7:08
